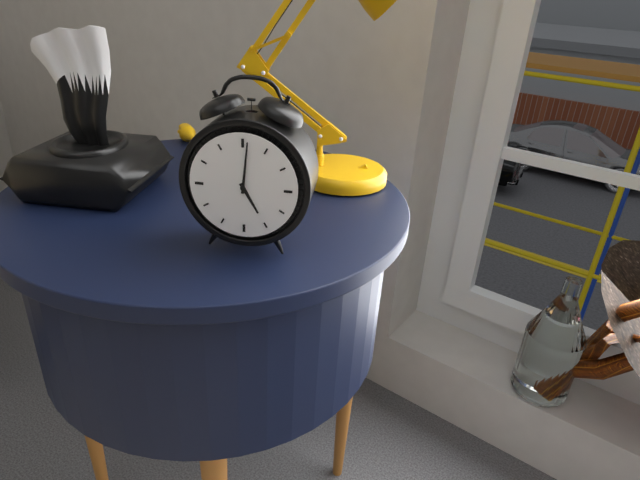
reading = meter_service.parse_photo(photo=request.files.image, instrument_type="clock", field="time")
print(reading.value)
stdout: 5:01
